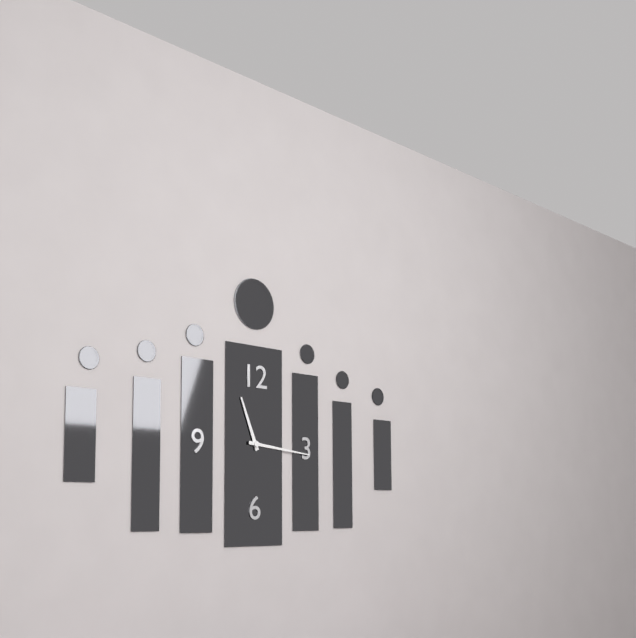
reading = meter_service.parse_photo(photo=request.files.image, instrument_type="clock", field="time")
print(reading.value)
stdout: 11:16
